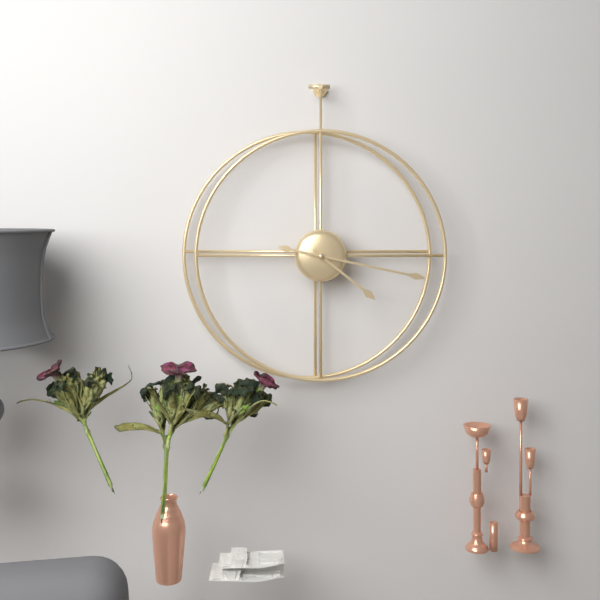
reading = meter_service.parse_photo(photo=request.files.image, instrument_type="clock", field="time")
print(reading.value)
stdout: 4:17
